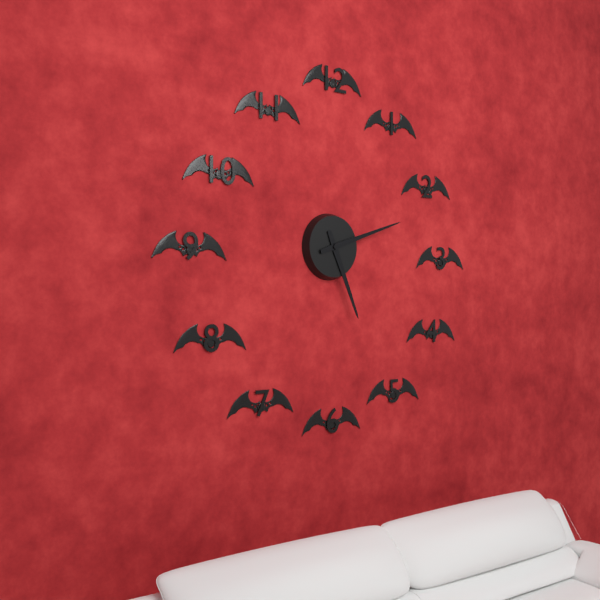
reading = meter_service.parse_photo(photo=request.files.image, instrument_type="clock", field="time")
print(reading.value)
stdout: 5:12
